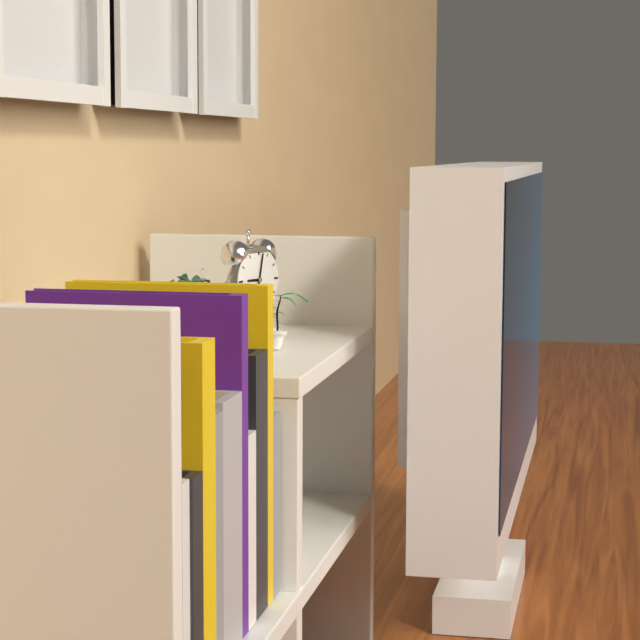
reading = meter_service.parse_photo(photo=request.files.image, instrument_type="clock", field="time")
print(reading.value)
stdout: 9:02
